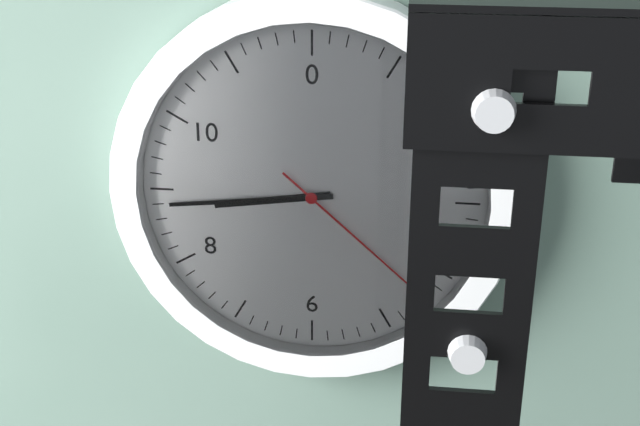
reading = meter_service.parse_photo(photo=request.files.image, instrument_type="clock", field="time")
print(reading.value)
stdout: 8:44:22
